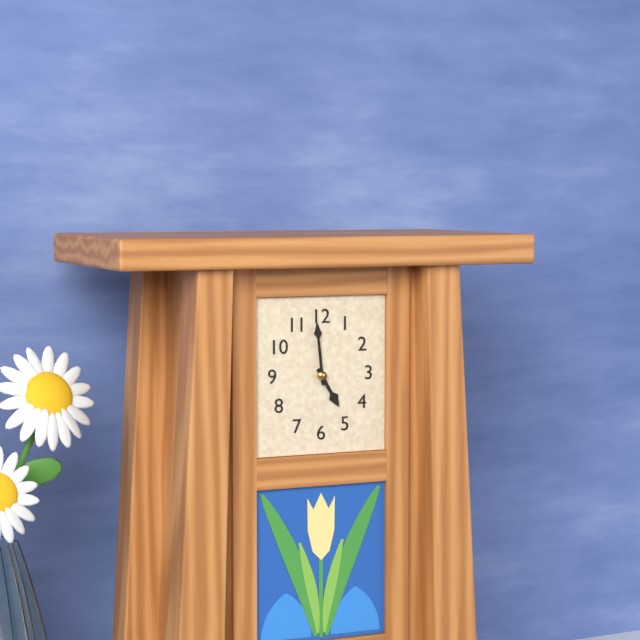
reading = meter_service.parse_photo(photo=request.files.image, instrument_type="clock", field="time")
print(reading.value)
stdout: 4:59
